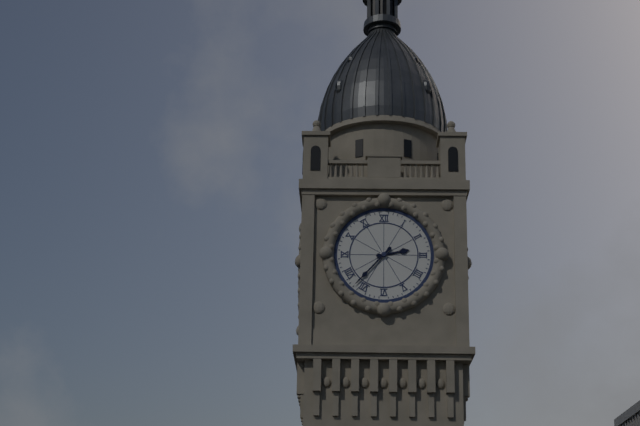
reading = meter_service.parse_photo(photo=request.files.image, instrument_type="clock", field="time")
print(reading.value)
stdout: 2:37
